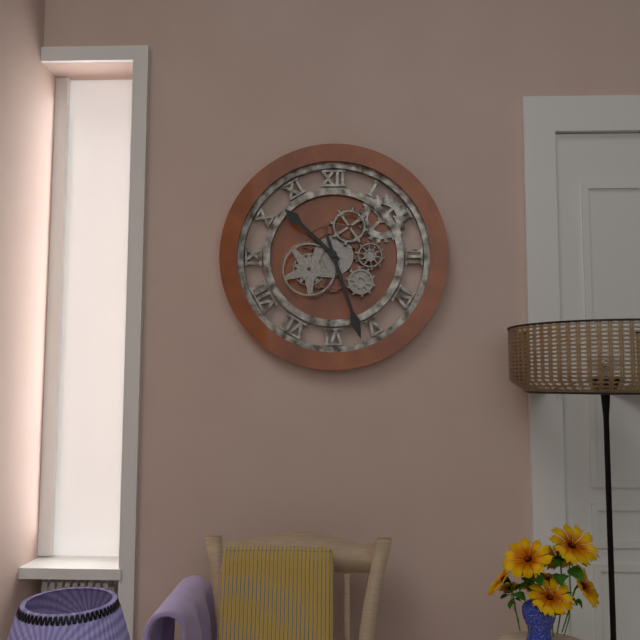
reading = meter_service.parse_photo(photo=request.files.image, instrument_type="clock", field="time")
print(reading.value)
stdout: 10:27
